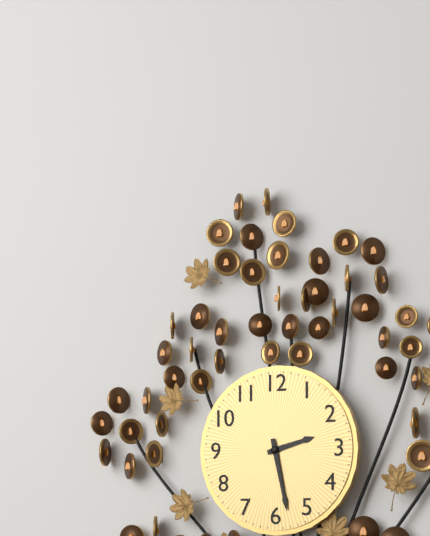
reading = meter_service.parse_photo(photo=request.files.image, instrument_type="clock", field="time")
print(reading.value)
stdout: 2:28
